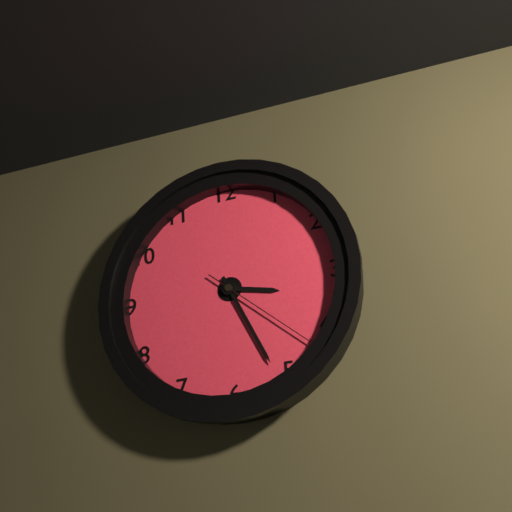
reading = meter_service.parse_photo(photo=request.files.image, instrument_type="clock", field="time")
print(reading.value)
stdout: 3:26:22
